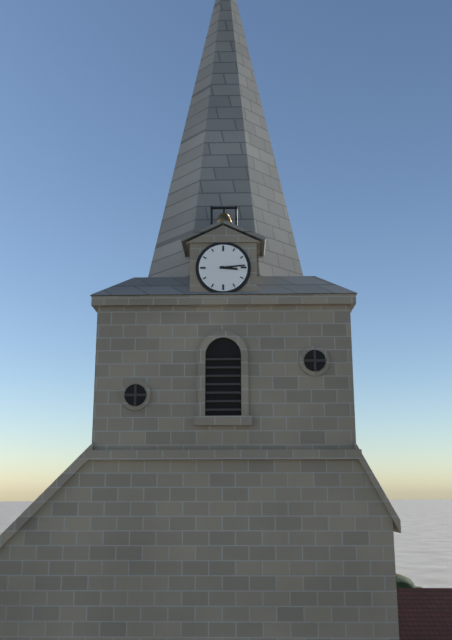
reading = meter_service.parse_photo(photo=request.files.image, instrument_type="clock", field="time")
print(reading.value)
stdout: 3:14
